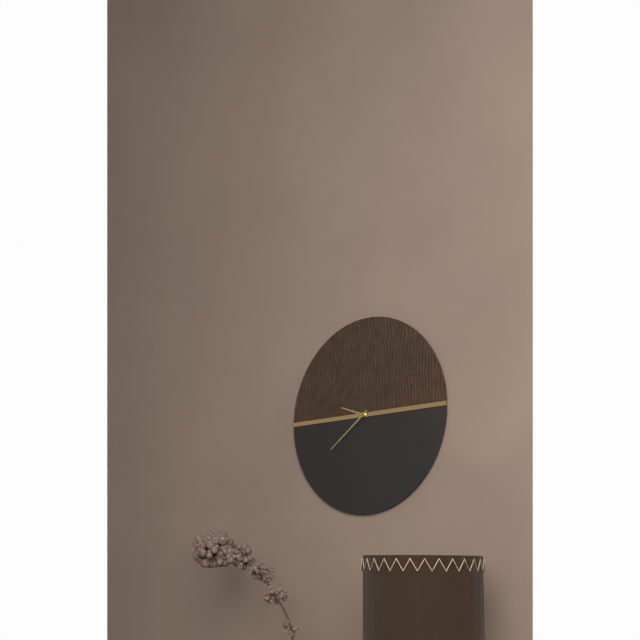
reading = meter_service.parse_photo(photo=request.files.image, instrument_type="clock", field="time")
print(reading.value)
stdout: 9:39
